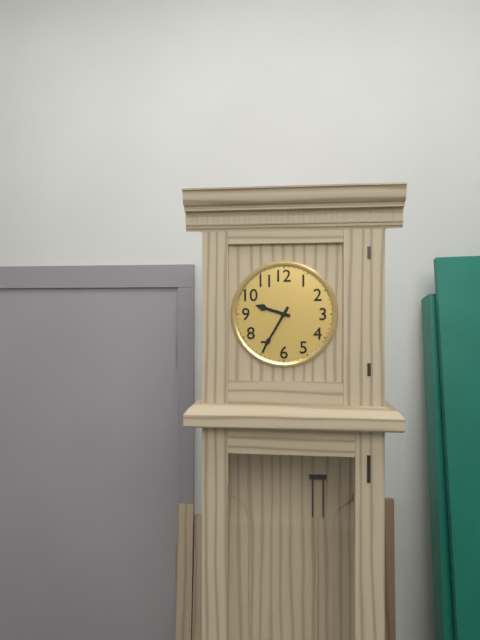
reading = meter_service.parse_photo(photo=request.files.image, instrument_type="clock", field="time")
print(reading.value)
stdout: 9:35
